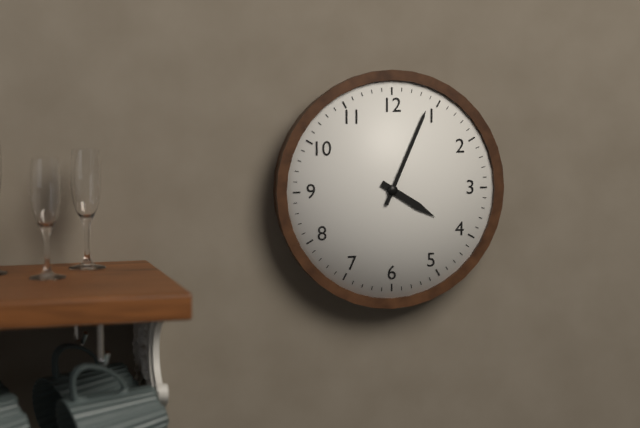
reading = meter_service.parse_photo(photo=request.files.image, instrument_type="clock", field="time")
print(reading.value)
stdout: 4:04
